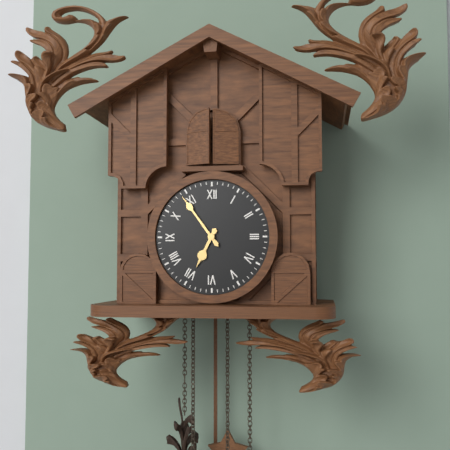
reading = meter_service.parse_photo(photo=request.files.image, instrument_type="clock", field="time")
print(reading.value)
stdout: 6:54
